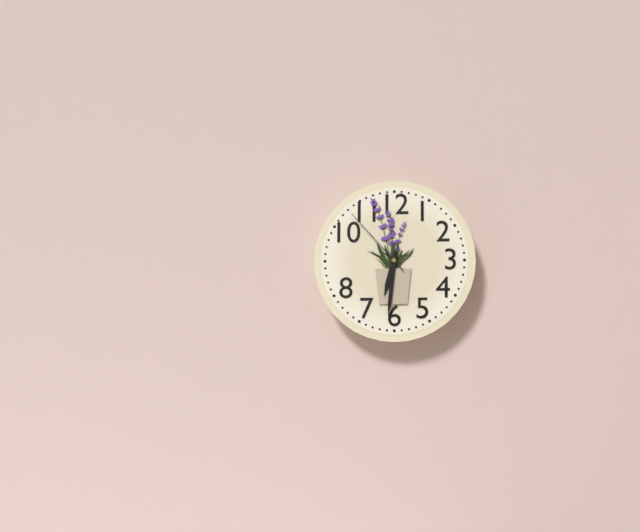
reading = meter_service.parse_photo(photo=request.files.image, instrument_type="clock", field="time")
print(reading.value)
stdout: 6:31:53
